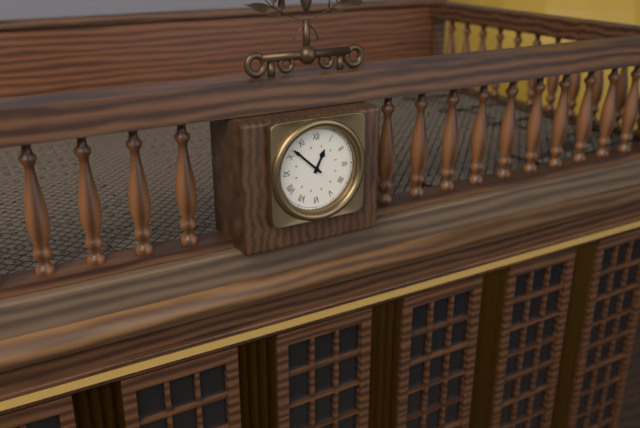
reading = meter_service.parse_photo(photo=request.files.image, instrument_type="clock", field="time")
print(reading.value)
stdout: 12:52
